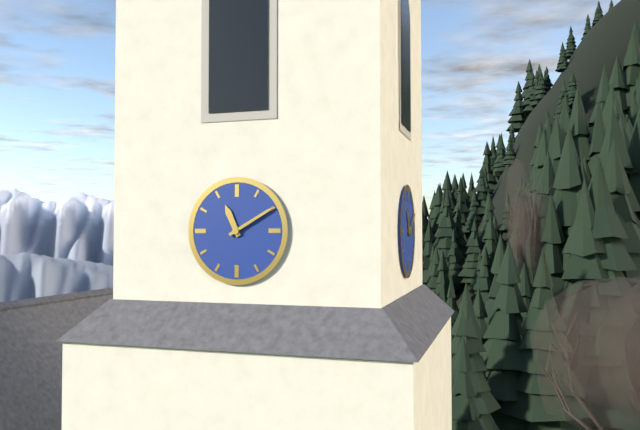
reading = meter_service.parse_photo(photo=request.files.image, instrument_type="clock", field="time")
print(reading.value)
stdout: 11:10
